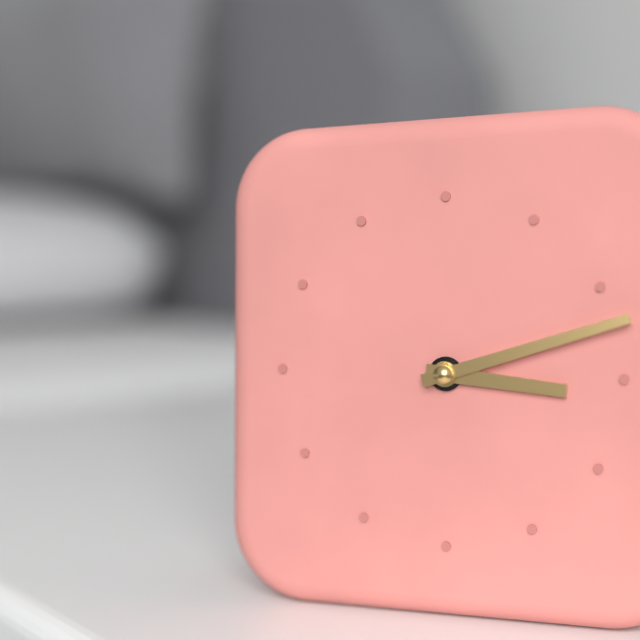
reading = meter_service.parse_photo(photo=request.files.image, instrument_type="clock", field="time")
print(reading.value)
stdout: 3:12
